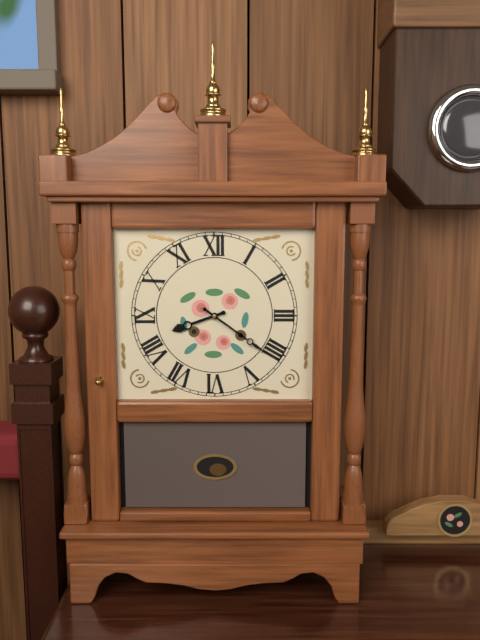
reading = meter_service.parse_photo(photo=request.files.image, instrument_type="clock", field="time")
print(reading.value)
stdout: 8:21
